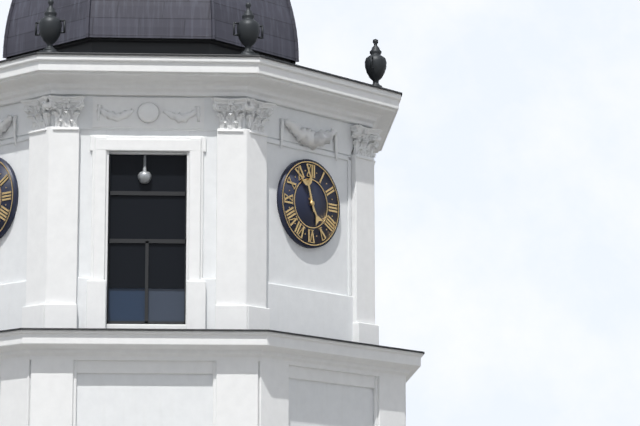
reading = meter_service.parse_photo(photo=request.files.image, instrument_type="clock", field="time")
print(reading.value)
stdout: 4:57
